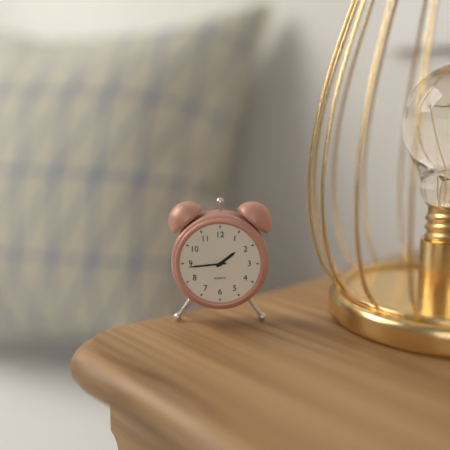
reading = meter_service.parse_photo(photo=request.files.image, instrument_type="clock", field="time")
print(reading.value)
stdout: 1:44
